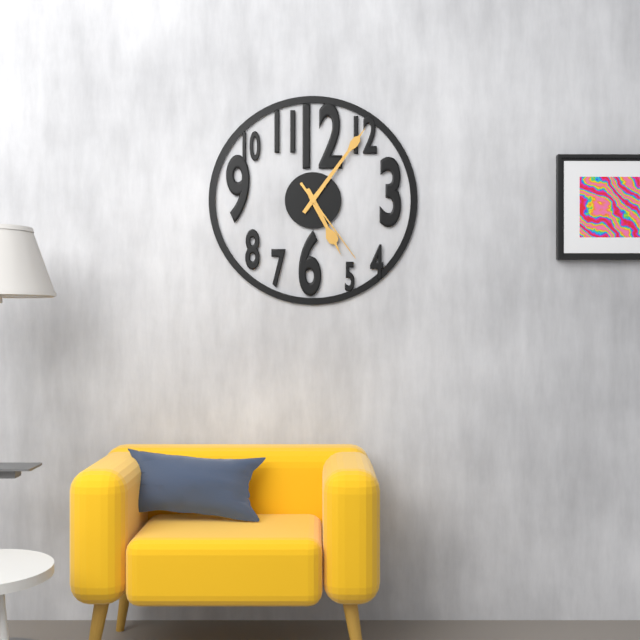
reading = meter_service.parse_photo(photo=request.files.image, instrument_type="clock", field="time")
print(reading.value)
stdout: 5:06:24
